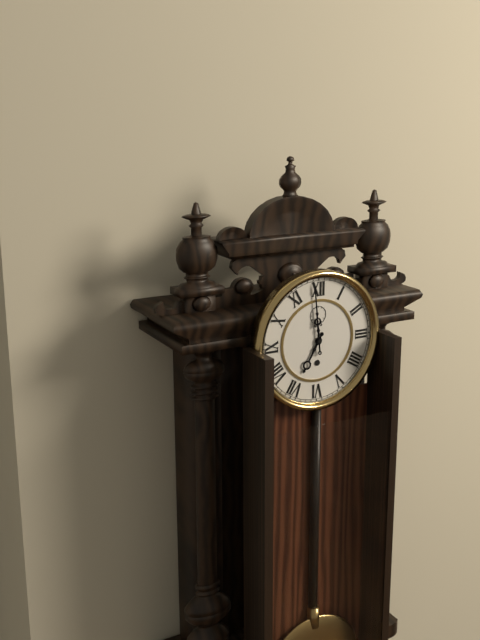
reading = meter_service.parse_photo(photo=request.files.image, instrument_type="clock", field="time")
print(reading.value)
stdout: 6:59
